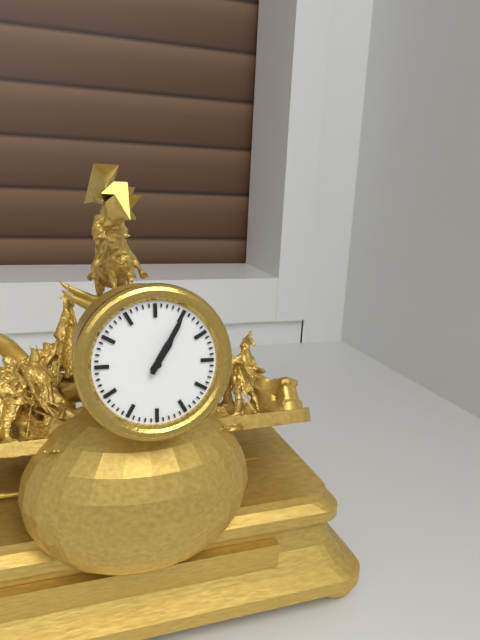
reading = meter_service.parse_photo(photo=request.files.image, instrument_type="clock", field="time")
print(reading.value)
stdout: 1:05
